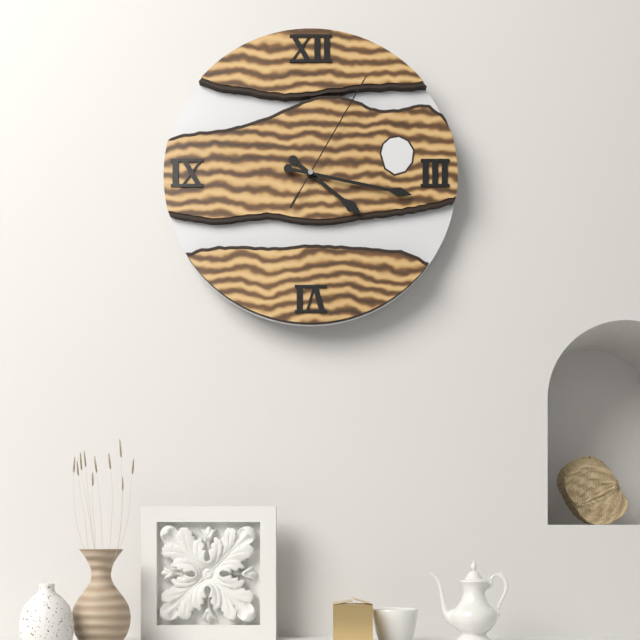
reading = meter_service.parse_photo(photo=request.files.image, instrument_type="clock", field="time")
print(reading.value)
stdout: 4:17:05
